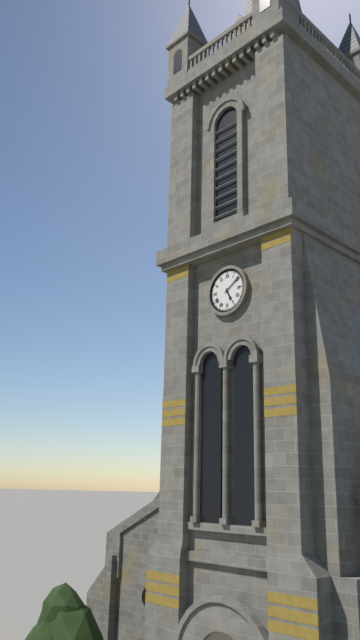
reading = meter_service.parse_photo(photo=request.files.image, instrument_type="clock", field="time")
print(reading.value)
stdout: 5:09
